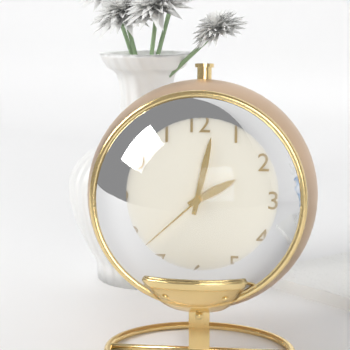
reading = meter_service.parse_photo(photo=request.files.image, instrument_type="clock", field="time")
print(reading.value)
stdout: 2:02:38
